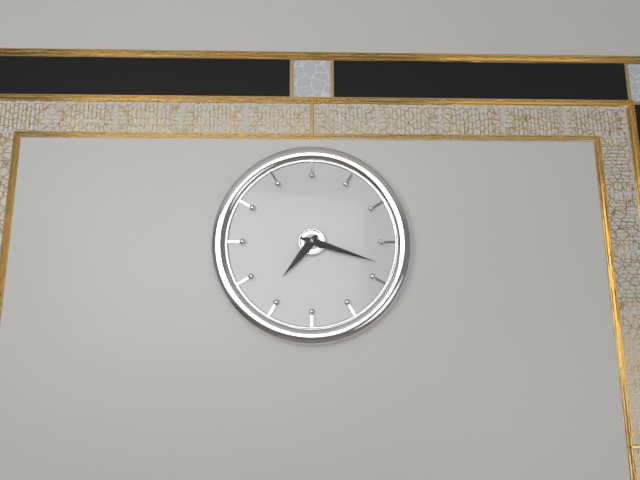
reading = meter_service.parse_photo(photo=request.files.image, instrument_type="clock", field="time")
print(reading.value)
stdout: 7:18
